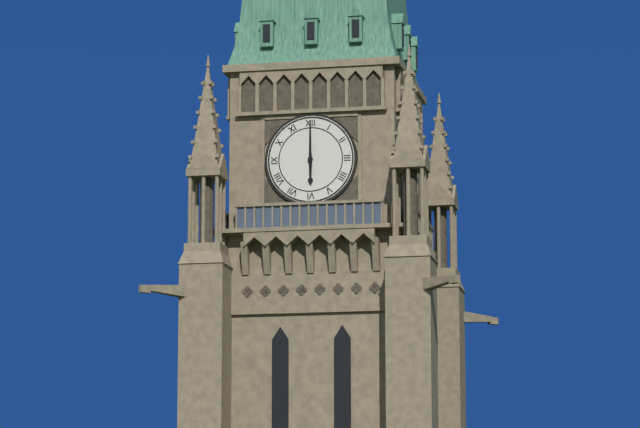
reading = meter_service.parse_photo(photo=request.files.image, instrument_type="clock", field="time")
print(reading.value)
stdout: 6:00
